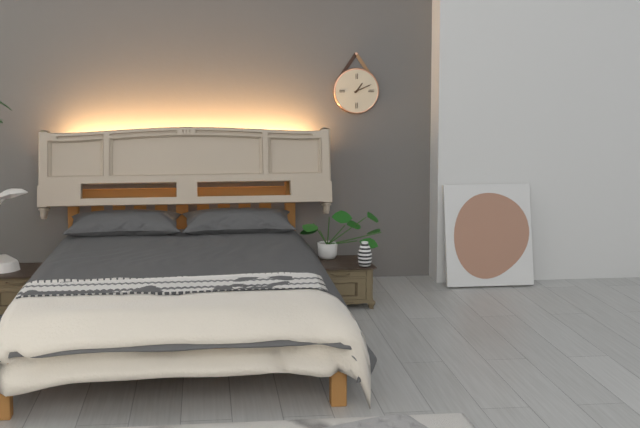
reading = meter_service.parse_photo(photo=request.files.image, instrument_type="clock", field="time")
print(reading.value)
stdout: 1:11
